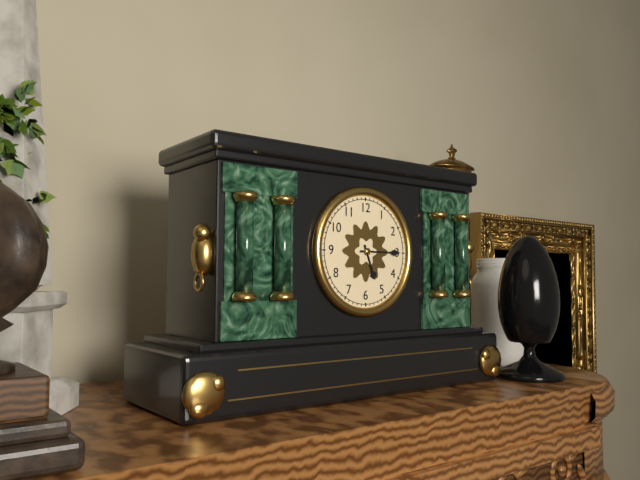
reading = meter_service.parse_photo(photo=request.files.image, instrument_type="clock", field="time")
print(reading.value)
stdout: 5:15
